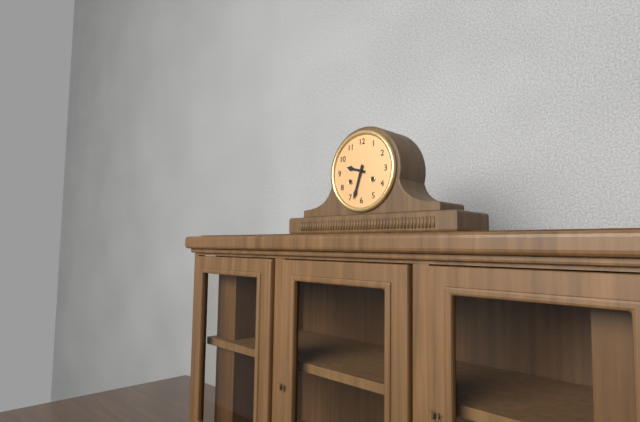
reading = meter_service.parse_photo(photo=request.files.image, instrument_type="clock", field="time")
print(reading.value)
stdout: 9:33
